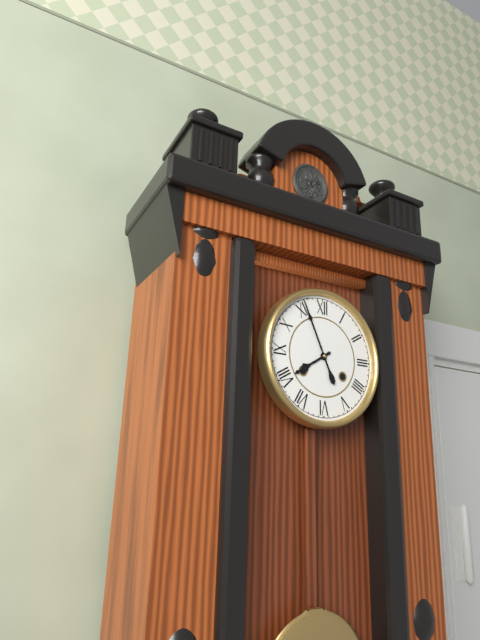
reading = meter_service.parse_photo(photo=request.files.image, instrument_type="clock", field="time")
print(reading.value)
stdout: 7:56
